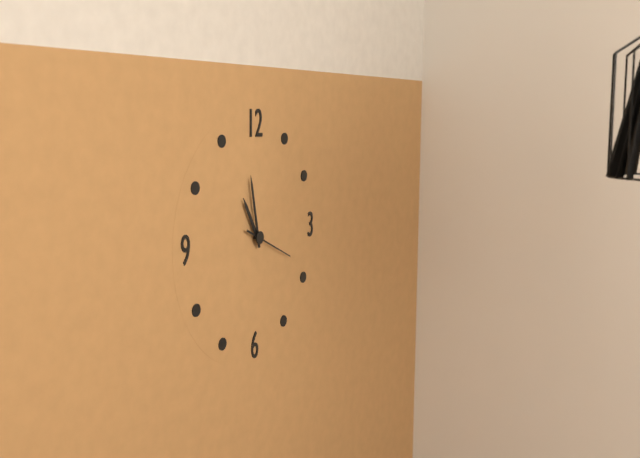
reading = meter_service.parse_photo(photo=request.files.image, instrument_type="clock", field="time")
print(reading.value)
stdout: 10:58:19
